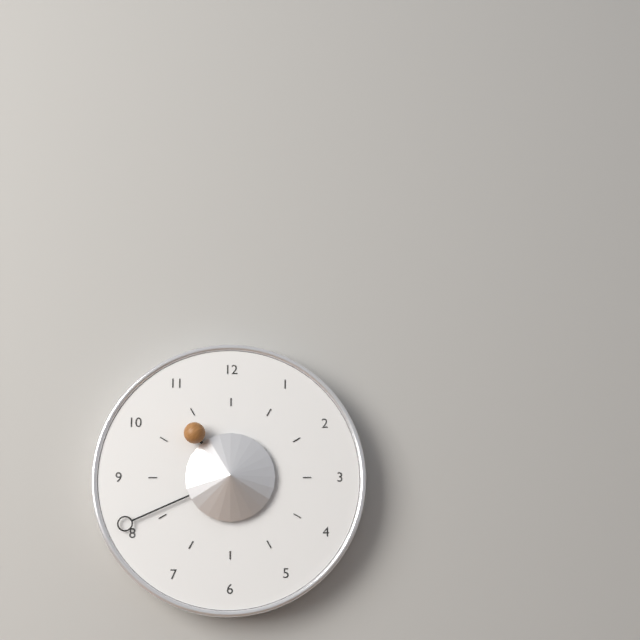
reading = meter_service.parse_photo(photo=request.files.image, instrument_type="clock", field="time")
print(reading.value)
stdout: 10:41
